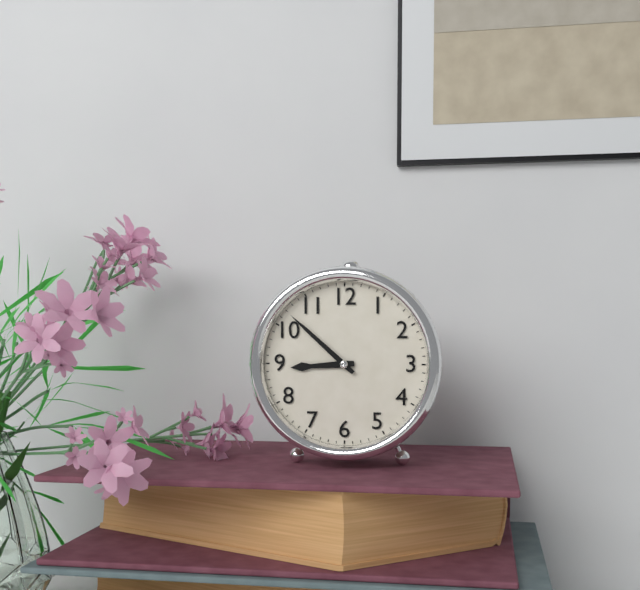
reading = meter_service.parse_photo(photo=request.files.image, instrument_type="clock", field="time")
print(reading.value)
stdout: 8:52
